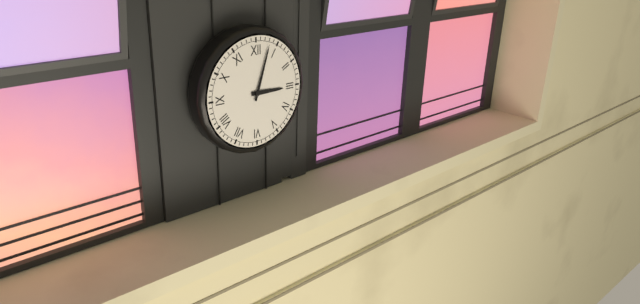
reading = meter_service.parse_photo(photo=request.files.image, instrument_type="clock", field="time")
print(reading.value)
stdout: 3:03
